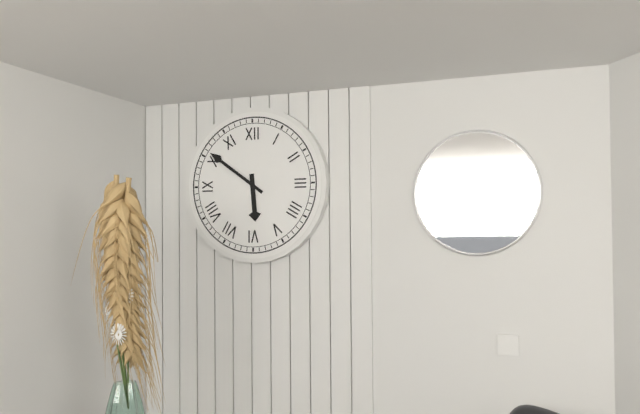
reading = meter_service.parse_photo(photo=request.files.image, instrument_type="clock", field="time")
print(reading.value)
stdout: 5:51
